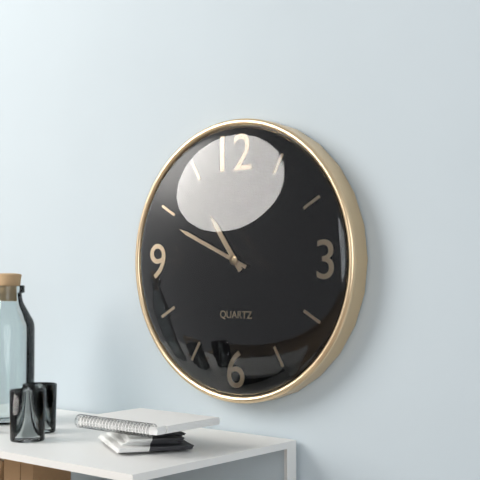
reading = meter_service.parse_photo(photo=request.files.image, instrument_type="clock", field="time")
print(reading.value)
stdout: 10:49
